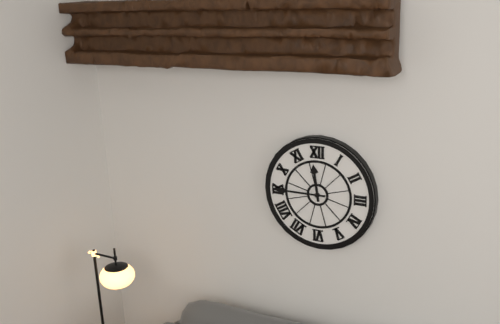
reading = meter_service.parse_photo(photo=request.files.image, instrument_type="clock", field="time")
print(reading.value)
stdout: 11:45
